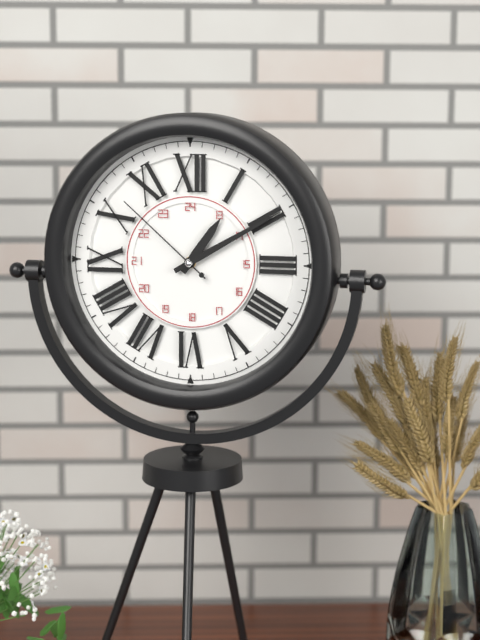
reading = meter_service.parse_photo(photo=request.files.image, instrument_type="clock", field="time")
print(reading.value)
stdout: 1:10:52
